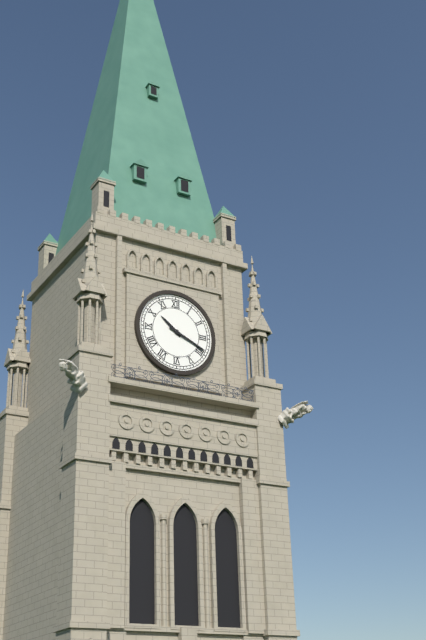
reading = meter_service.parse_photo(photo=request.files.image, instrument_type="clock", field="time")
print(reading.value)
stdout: 10:19
